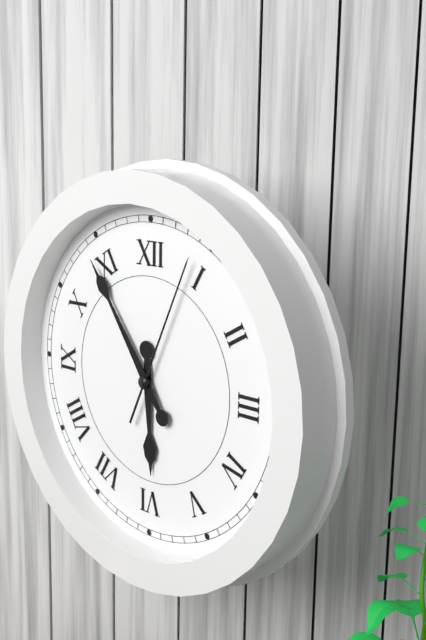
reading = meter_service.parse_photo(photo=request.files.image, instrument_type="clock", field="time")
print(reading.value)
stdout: 5:54:04
